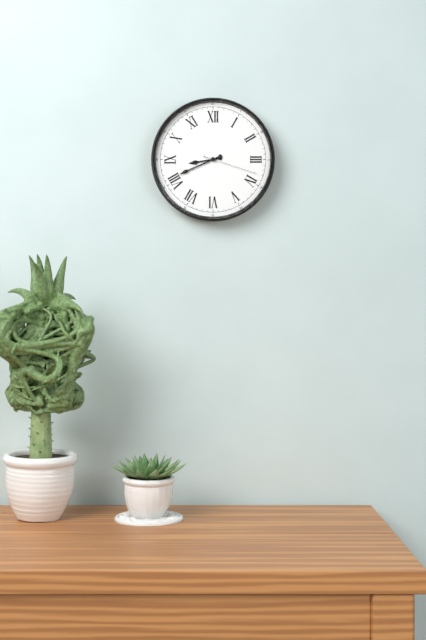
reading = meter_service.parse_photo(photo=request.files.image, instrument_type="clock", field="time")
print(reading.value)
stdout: 8:41:18
